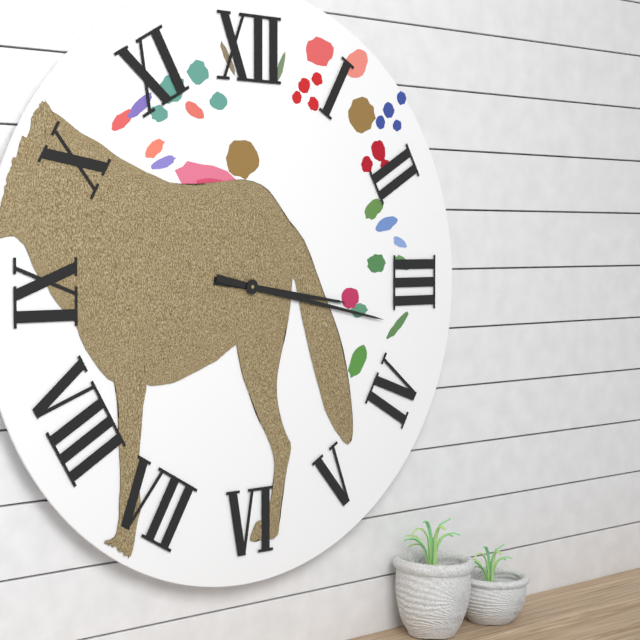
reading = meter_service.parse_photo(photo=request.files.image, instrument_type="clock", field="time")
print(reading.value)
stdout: 3:17
